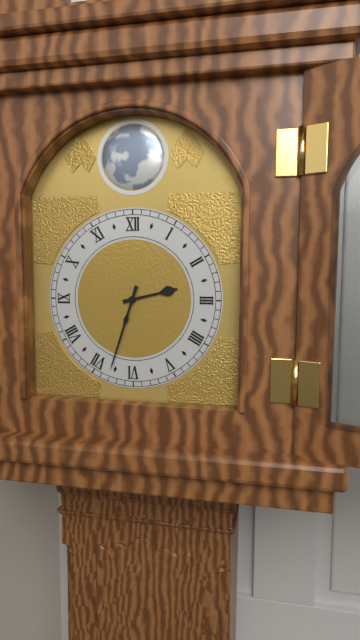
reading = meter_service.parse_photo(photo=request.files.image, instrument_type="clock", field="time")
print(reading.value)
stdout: 2:33
